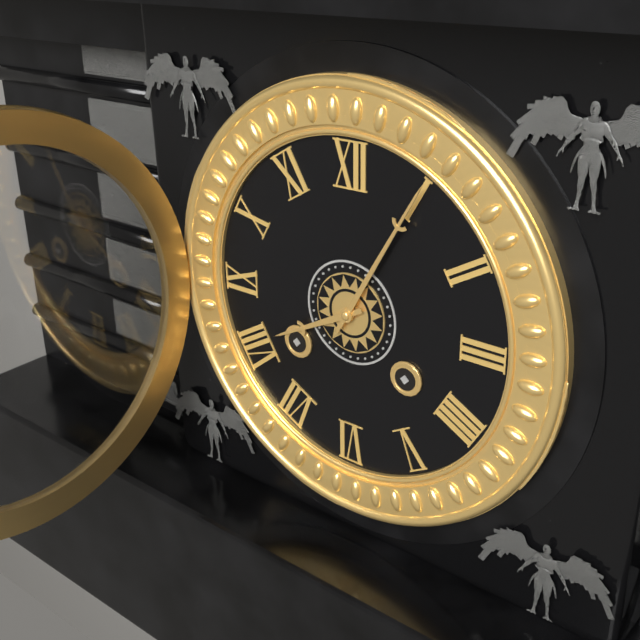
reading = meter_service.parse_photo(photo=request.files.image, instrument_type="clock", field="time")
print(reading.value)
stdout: 8:05
